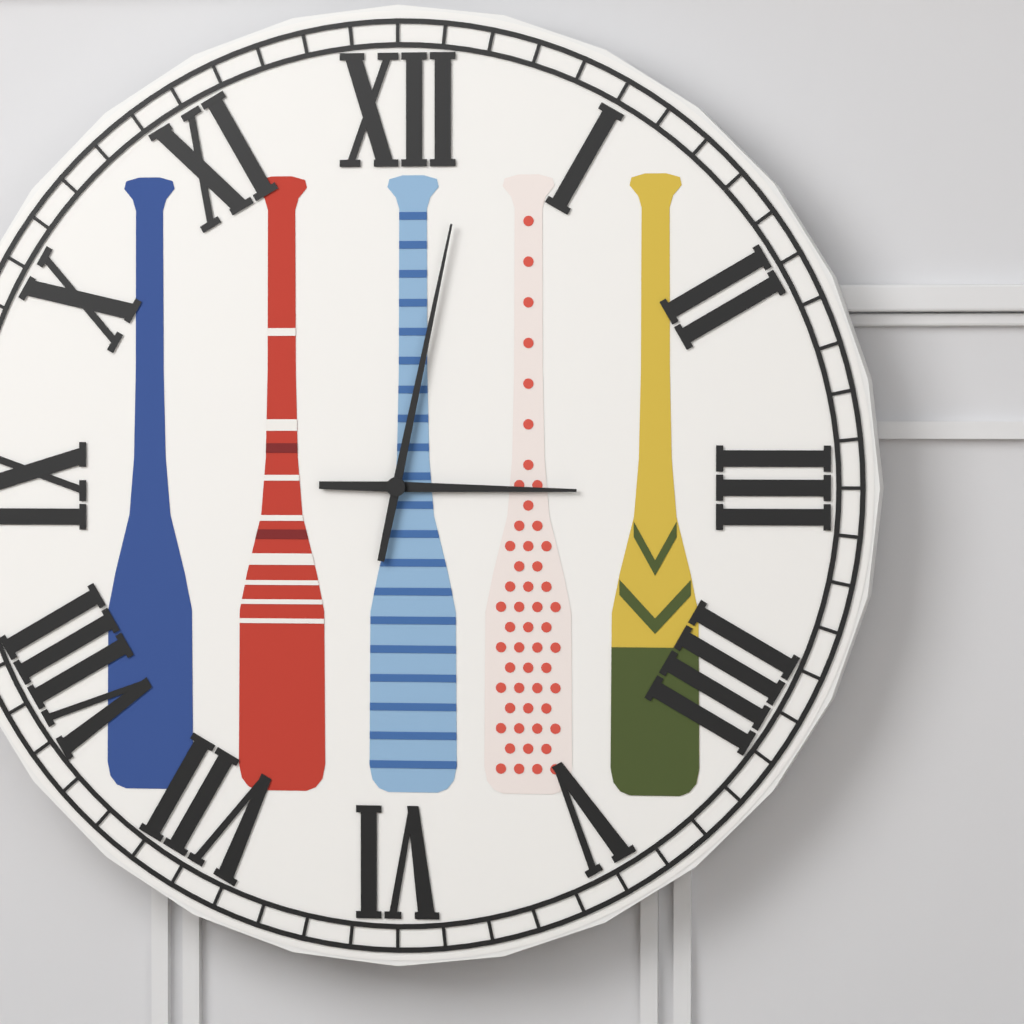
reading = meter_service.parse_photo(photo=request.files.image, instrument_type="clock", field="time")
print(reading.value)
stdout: 3:02
